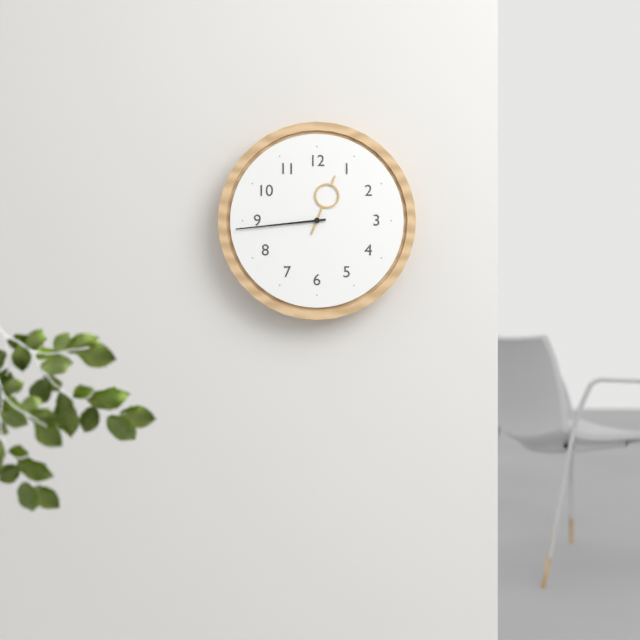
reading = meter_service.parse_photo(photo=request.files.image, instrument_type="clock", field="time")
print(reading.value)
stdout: 12:44
